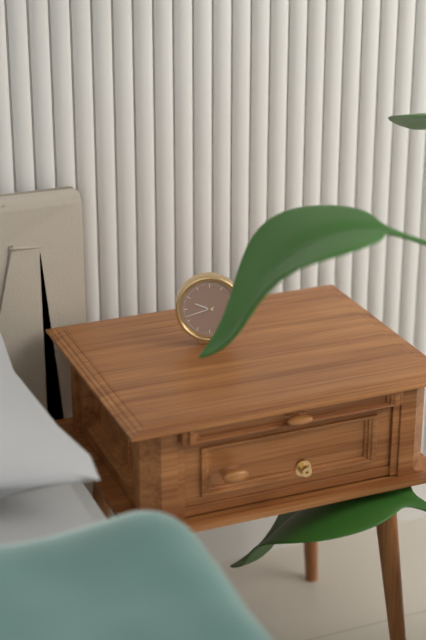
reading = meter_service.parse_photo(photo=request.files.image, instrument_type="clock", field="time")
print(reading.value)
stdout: 9:42
